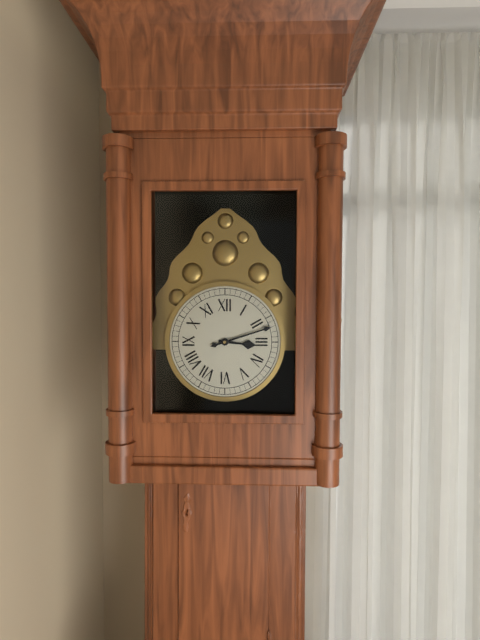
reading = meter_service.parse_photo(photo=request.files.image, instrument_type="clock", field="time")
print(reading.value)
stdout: 3:12
